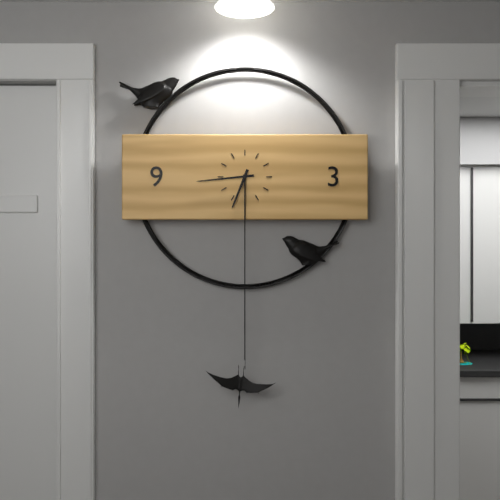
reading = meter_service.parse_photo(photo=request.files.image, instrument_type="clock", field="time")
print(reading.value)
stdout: 6:44
